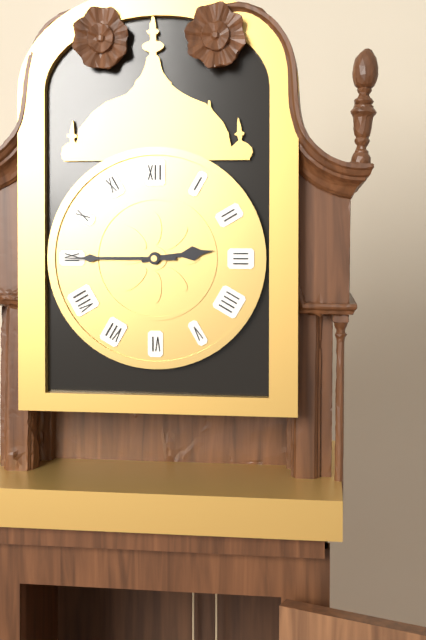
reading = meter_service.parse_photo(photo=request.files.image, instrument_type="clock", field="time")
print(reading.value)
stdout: 2:45
